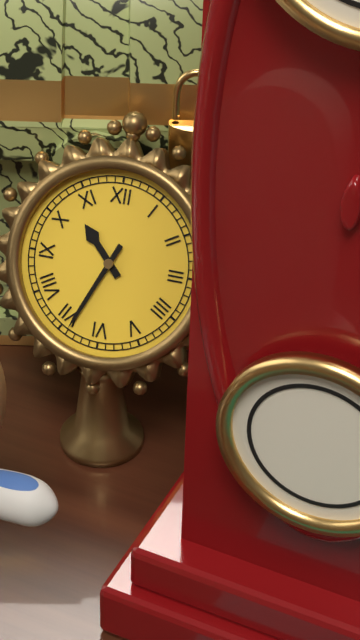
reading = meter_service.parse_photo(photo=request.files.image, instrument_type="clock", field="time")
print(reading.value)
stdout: 10:34
